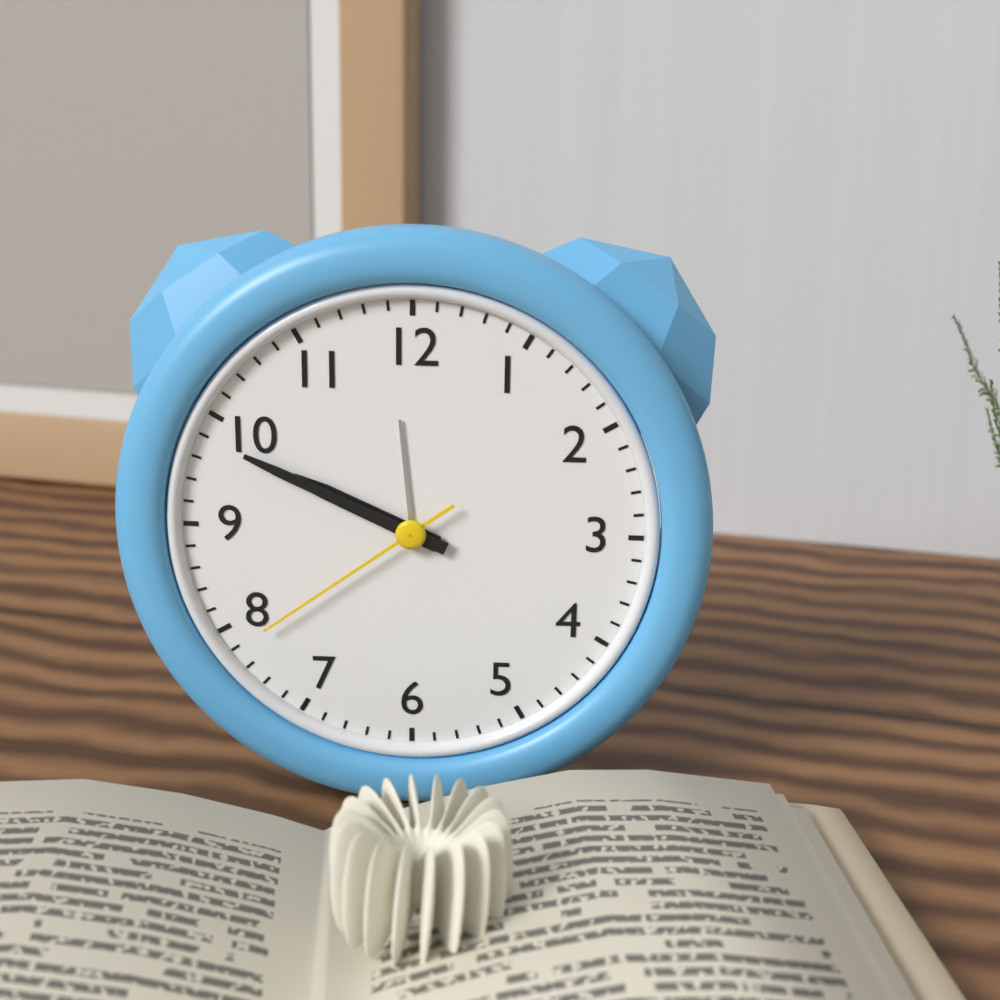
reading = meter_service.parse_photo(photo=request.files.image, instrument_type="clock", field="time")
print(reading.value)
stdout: 9:49:39
